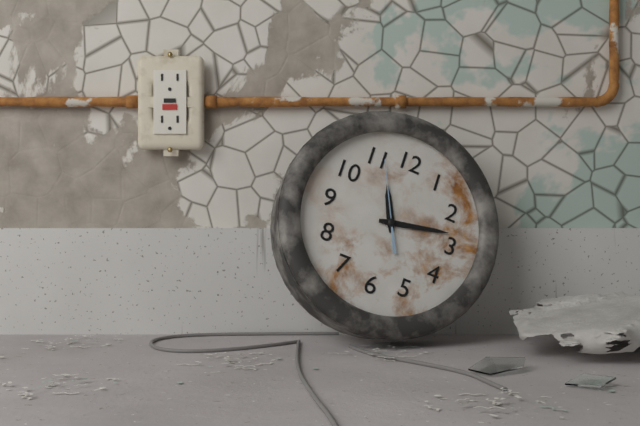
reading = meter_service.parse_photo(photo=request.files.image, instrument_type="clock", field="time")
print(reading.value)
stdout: 11:13:56
